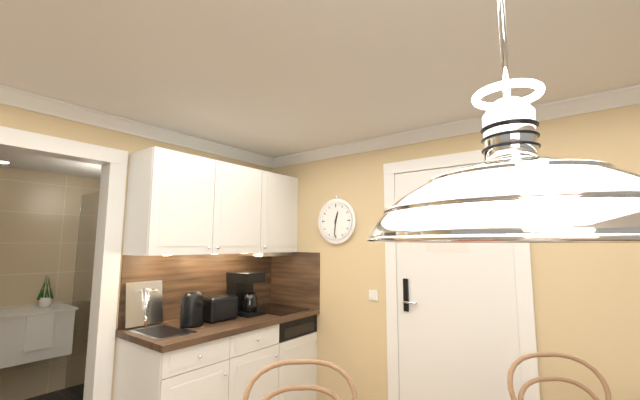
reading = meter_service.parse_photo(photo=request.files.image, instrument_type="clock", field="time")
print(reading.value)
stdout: 12:31
